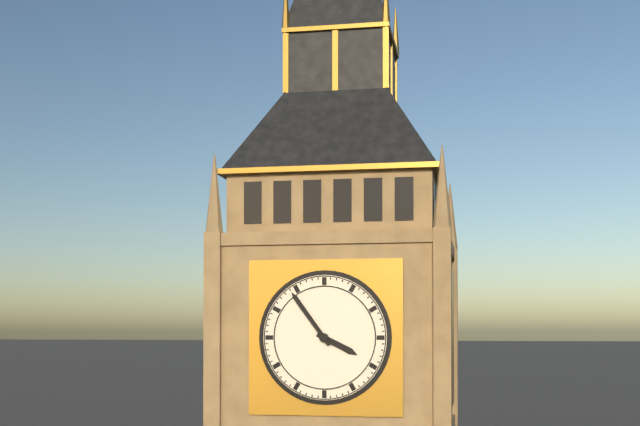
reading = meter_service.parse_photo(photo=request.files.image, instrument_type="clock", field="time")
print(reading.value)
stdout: 3:54
